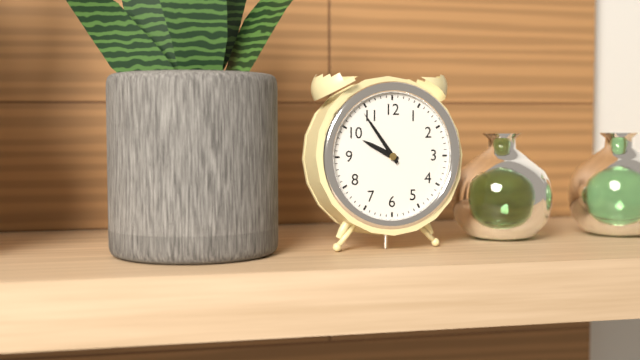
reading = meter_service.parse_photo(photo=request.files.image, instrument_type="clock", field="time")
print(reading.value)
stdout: 9:54
